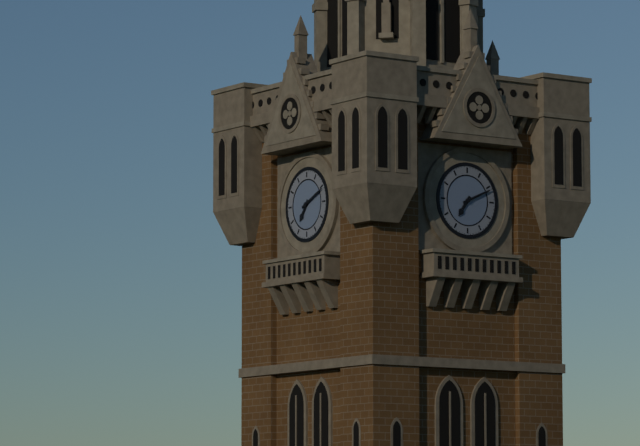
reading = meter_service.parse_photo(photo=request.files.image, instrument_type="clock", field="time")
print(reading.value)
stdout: 7:11
